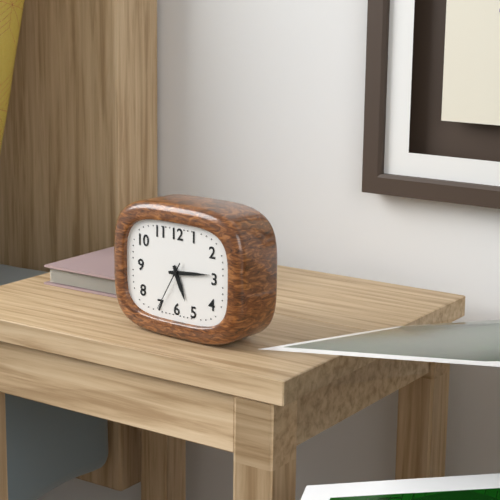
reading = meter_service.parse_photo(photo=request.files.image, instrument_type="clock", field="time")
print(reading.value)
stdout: 5:14
